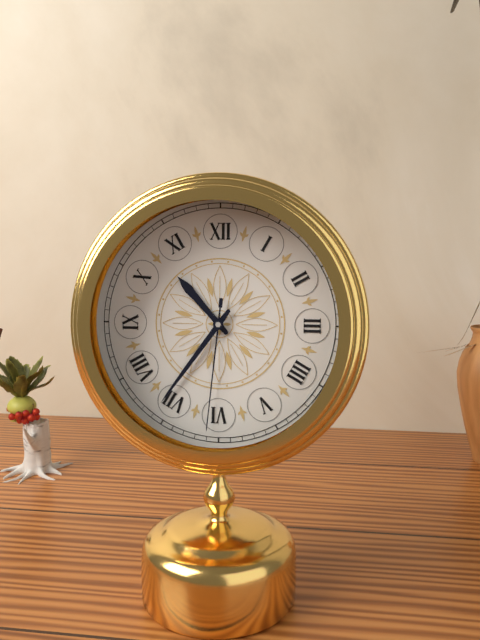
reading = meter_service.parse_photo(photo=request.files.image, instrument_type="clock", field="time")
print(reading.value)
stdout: 10:36:31
